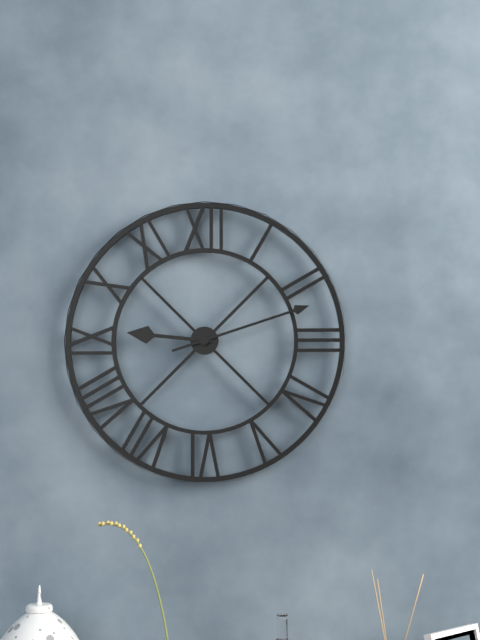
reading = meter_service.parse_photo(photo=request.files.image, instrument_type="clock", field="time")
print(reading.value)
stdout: 9:12
